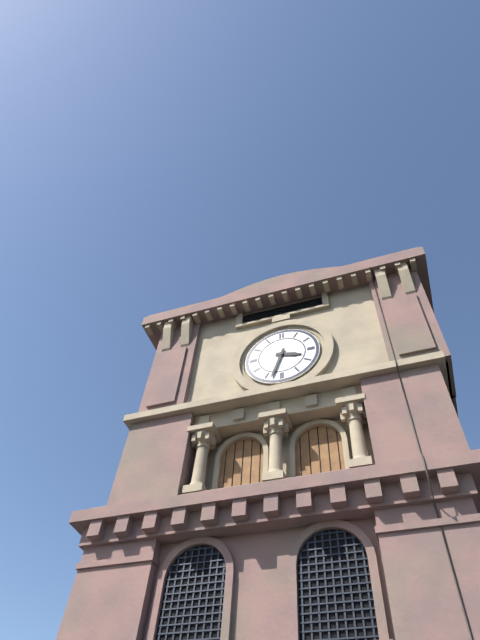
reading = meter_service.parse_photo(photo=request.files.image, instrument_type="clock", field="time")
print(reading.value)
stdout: 3:33
